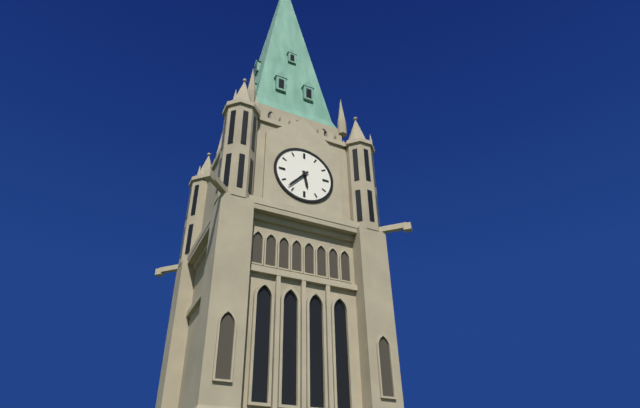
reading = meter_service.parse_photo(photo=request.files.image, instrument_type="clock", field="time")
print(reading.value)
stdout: 5:37
